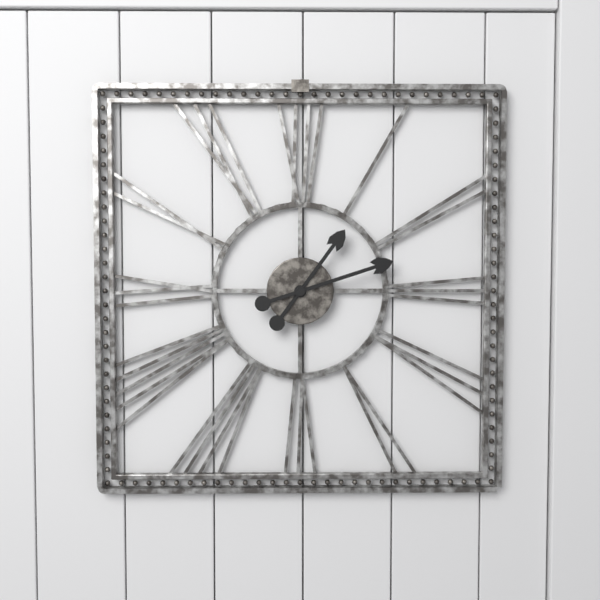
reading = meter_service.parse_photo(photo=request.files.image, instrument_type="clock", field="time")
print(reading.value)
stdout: 1:12
